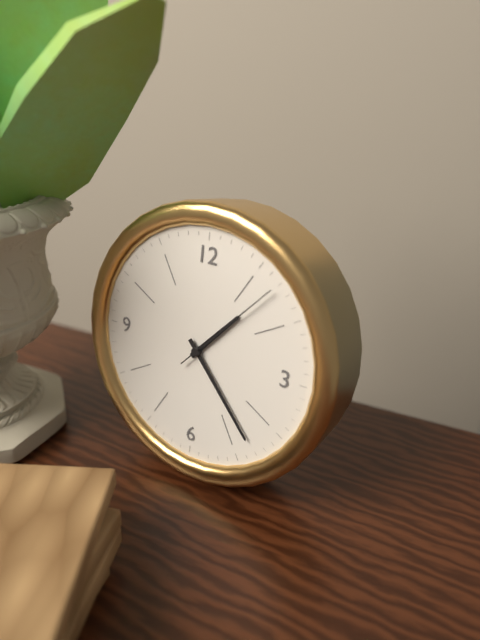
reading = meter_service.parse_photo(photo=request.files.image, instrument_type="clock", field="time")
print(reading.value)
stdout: 1:23:07
